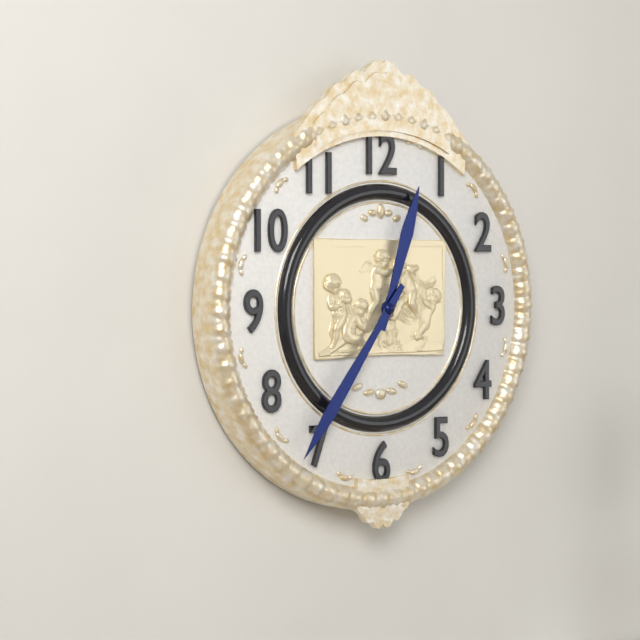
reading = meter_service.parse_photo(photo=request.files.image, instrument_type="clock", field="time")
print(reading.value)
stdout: 12:36
